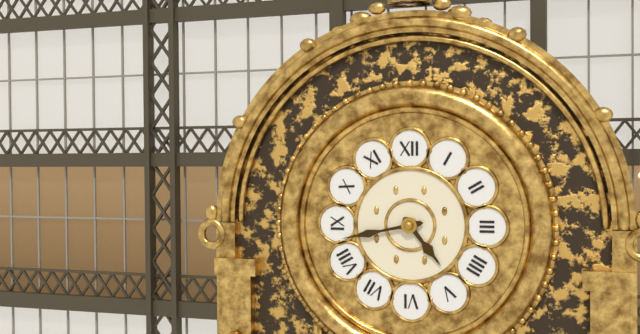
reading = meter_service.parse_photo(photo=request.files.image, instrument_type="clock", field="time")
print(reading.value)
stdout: 4:43
